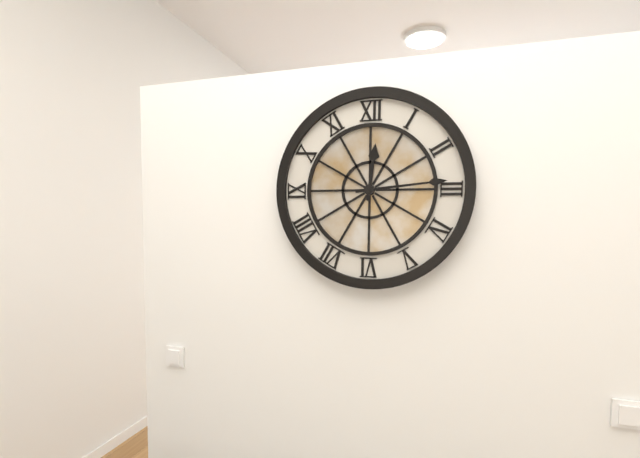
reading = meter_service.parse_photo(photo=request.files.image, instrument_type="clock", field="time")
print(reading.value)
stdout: 12:14
